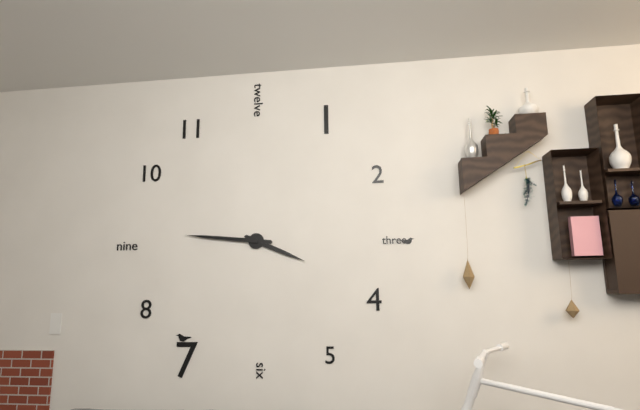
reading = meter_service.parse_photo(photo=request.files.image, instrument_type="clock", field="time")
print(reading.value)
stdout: 3:46
